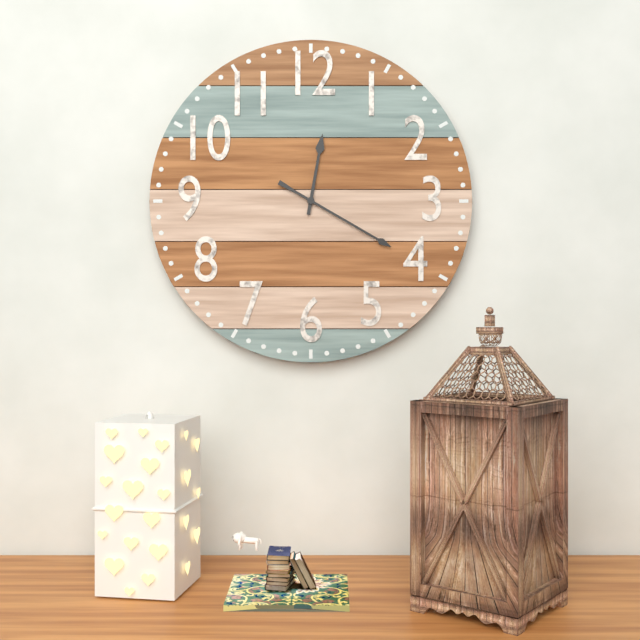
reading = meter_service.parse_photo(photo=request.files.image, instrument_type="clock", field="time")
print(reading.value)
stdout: 12:20
